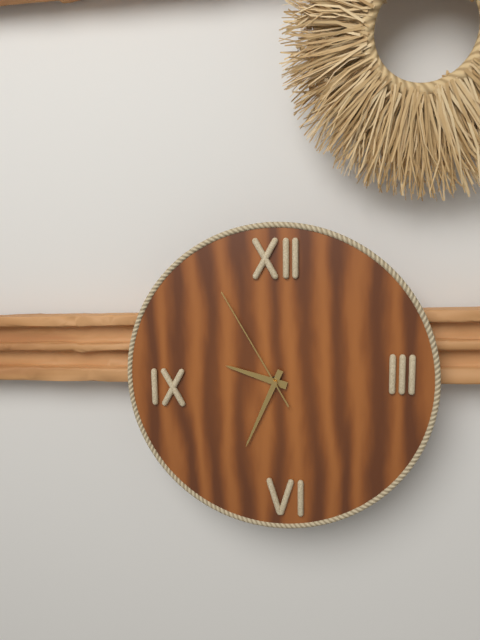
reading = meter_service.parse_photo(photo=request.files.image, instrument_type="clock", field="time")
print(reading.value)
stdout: 9:34:55
